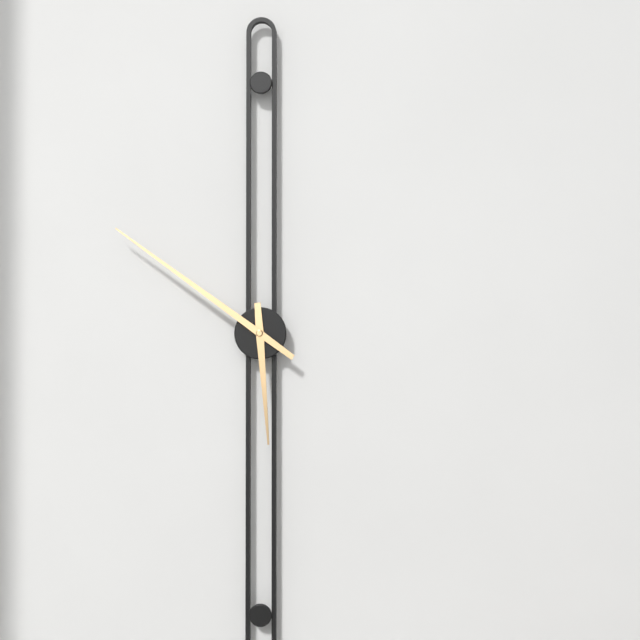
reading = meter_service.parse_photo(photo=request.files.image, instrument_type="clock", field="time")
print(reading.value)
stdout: 5:51
